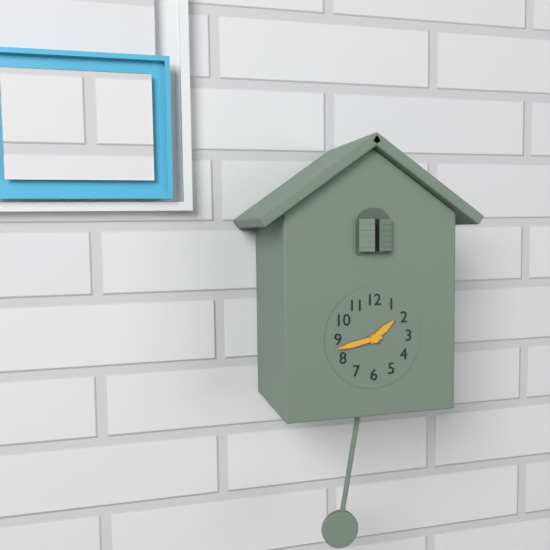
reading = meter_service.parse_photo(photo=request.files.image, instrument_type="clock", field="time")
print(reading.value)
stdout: 1:43
